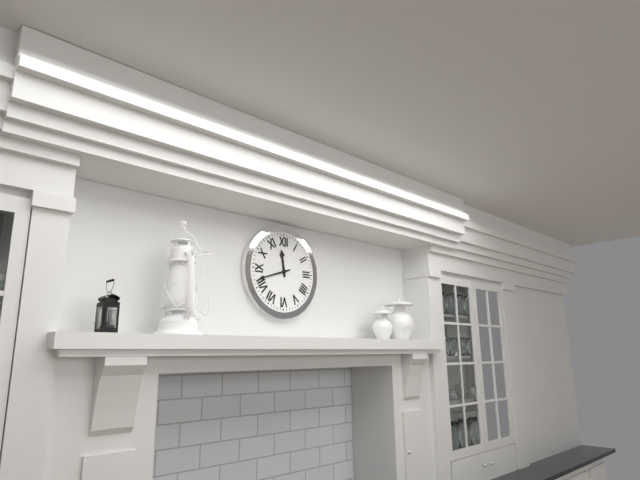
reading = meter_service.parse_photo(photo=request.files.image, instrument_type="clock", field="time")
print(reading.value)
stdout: 11:42
